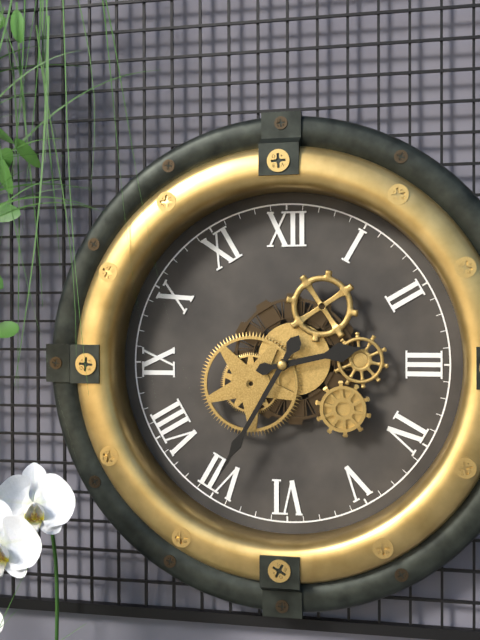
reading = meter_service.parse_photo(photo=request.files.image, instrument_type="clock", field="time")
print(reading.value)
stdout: 2:35
